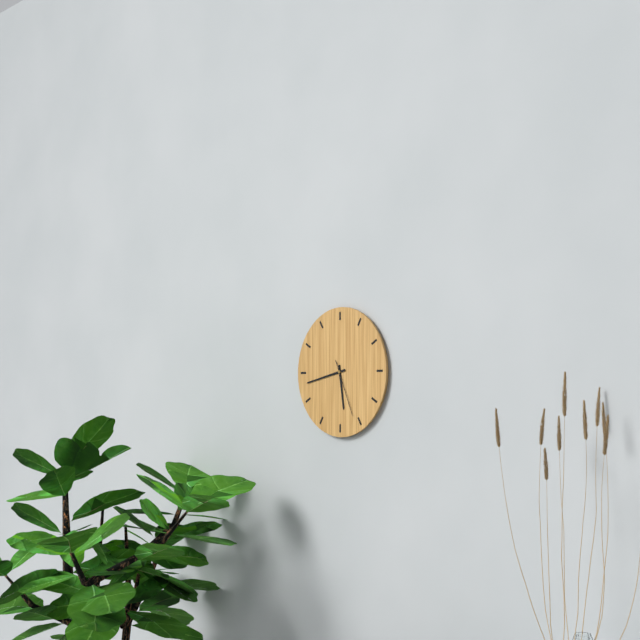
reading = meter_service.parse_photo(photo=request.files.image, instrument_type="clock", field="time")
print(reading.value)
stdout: 5:43:26
